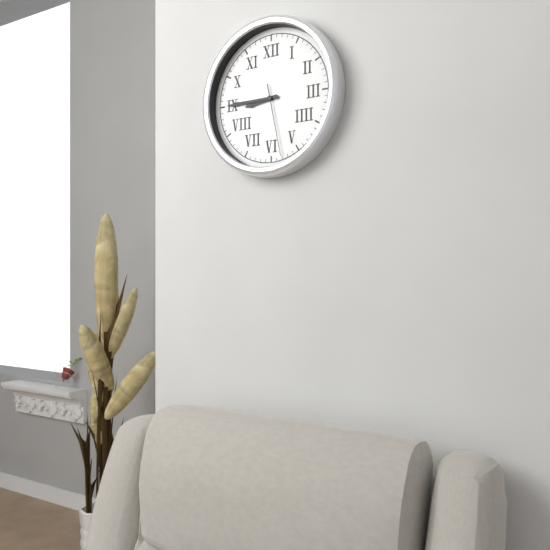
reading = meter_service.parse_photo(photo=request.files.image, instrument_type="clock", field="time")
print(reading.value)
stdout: 8:45:28
